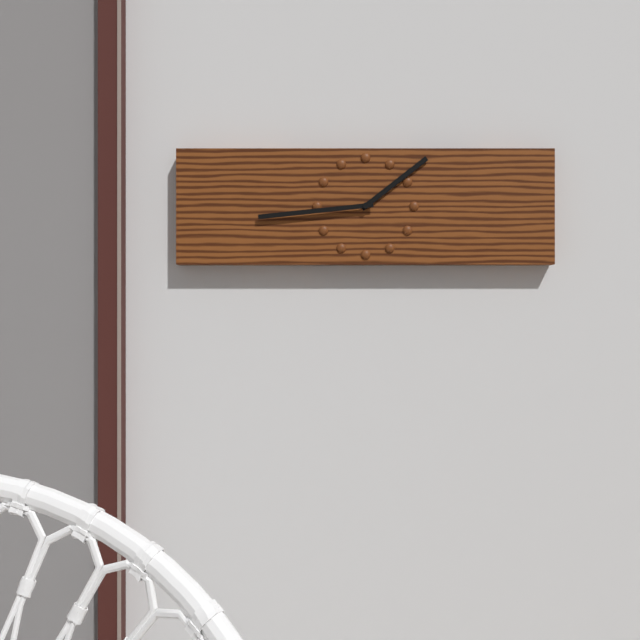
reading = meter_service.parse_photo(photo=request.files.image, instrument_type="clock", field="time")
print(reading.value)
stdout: 1:44
